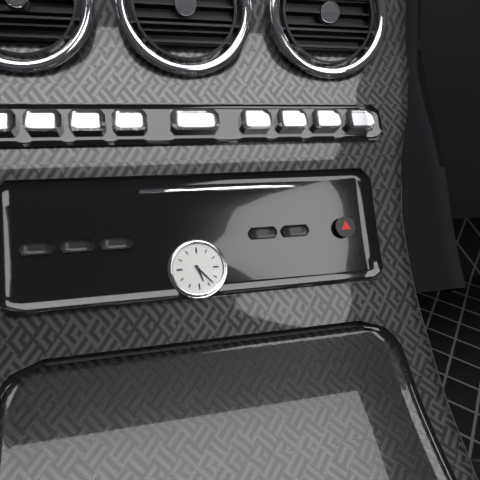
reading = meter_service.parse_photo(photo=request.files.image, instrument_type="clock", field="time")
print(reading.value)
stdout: 5:23
